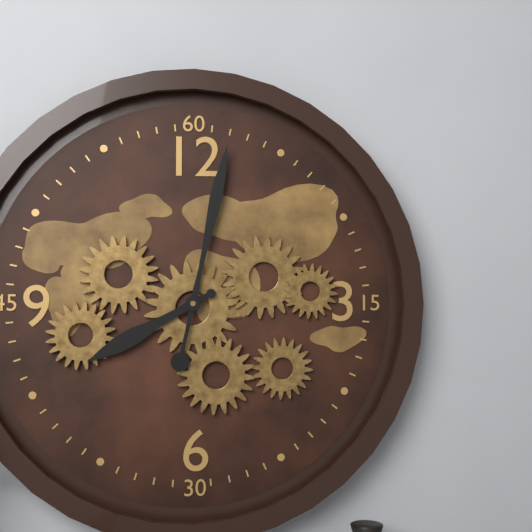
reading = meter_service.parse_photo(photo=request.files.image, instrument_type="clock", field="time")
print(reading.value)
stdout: 8:02
